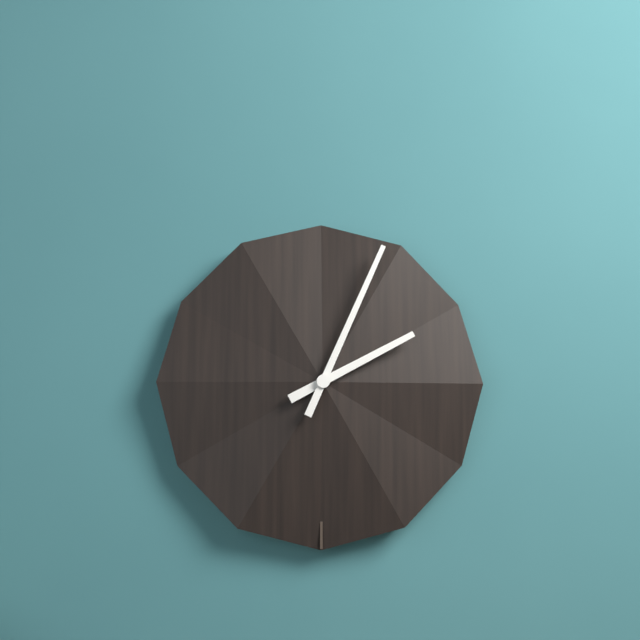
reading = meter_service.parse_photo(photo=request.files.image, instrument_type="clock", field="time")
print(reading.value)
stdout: 2:04
